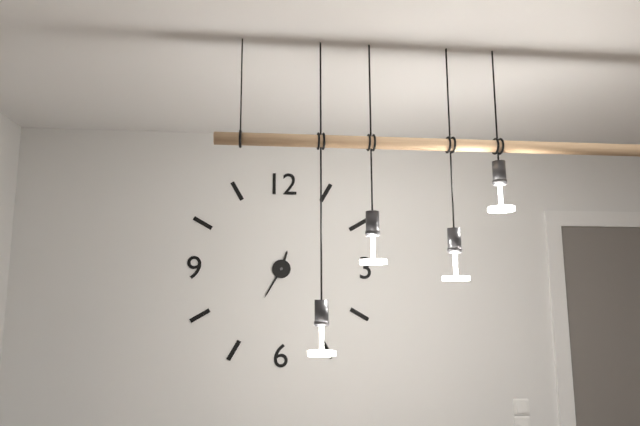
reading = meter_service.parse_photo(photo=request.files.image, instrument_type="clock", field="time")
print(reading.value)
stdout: 12:35
